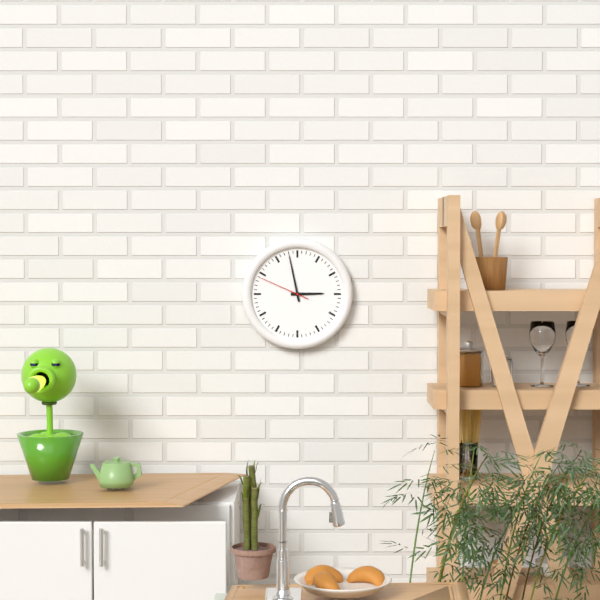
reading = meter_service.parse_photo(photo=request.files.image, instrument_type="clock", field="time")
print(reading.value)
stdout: 2:58:49
